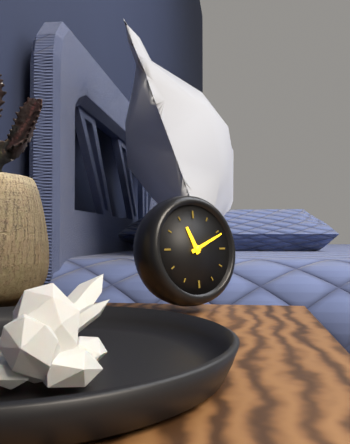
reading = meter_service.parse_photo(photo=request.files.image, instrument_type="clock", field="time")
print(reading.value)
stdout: 11:11
